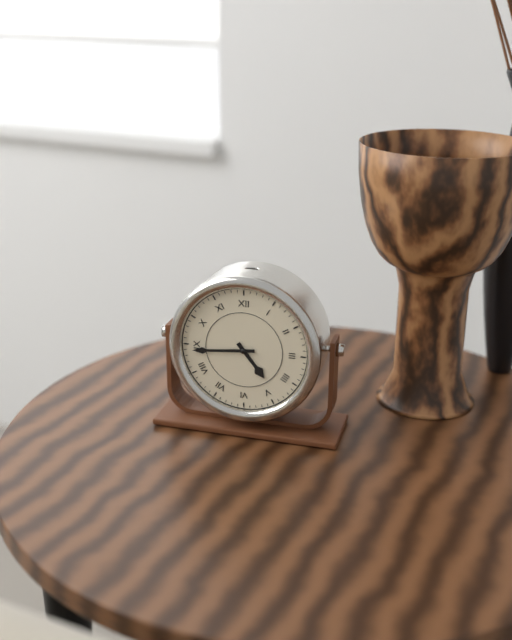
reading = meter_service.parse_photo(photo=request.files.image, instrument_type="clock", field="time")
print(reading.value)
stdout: 4:44
